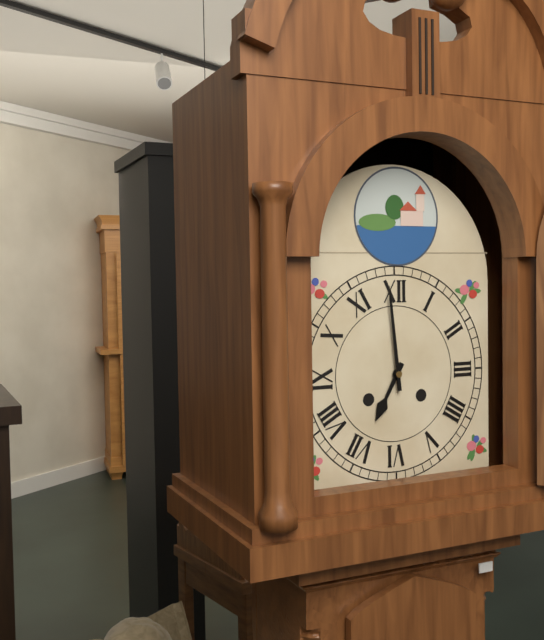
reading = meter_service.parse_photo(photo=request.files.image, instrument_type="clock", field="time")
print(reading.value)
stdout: 6:59
